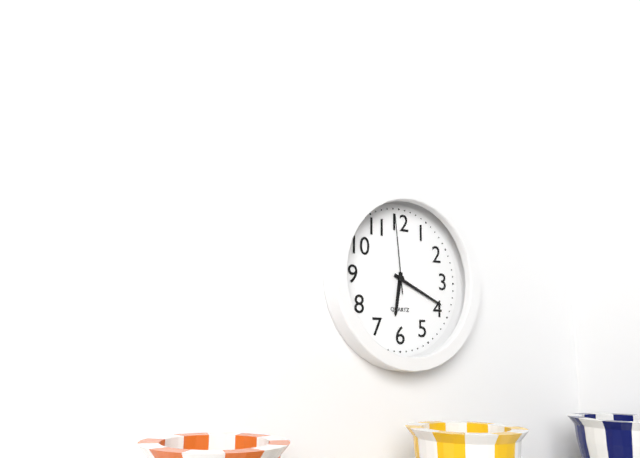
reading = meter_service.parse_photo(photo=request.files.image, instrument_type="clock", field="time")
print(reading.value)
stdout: 6:19:59
